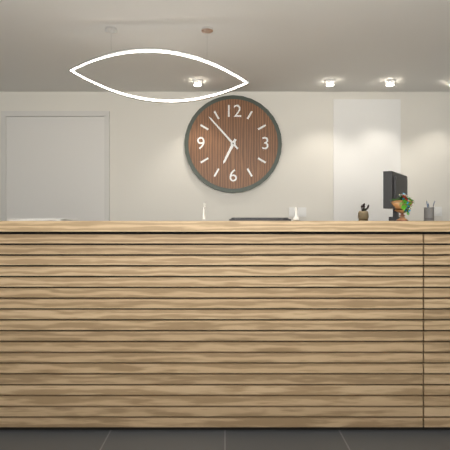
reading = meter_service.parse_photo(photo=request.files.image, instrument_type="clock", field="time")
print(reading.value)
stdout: 6:53
